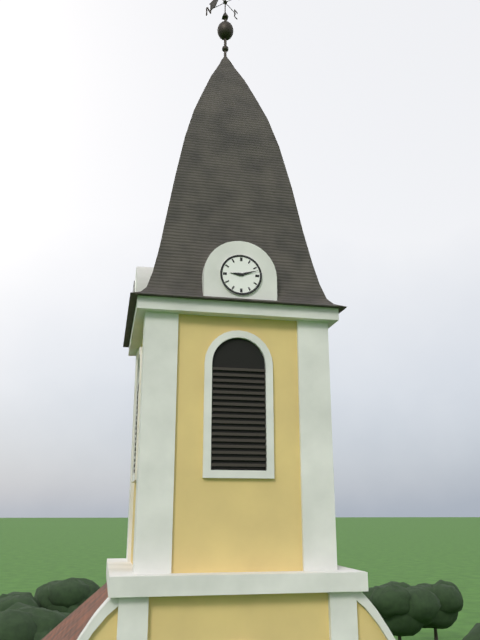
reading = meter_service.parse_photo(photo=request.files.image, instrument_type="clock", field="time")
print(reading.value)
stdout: 9:12
